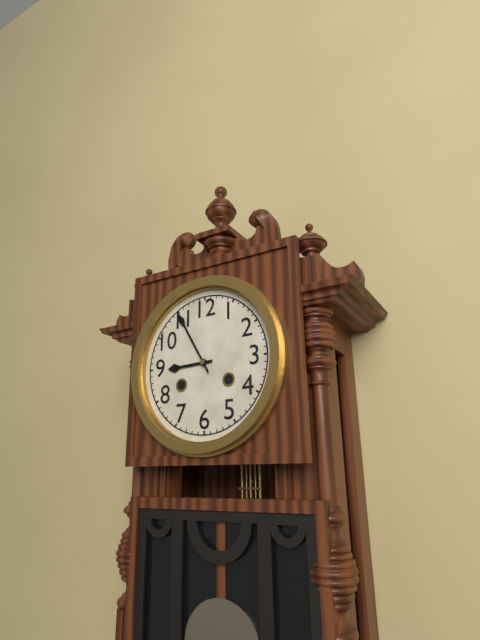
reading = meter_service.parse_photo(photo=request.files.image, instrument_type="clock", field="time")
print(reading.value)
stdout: 8:55
